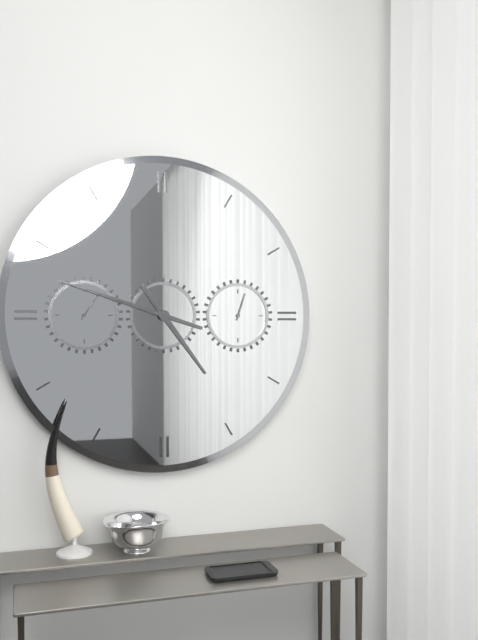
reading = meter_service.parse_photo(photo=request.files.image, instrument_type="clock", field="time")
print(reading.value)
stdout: 4:48
